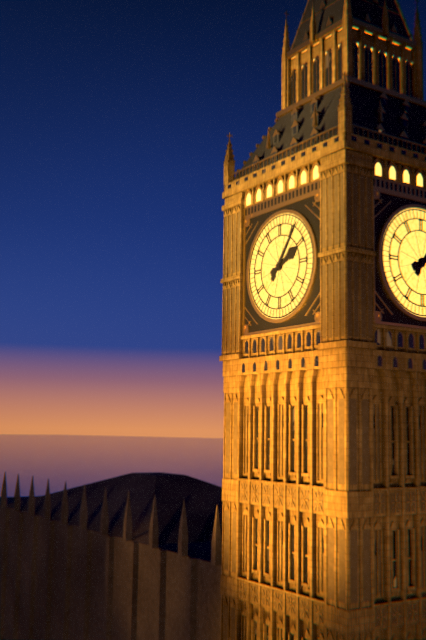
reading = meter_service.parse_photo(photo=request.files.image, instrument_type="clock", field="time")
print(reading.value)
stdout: 2:06
